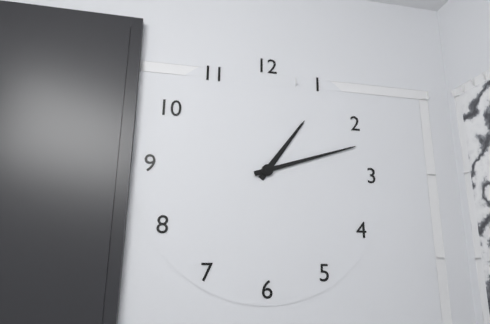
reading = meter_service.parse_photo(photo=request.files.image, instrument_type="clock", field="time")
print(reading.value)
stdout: 1:12
